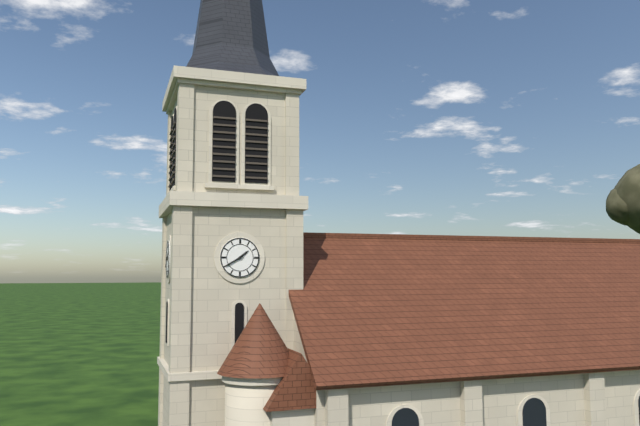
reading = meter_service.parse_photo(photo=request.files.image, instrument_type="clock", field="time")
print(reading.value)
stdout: 1:40
